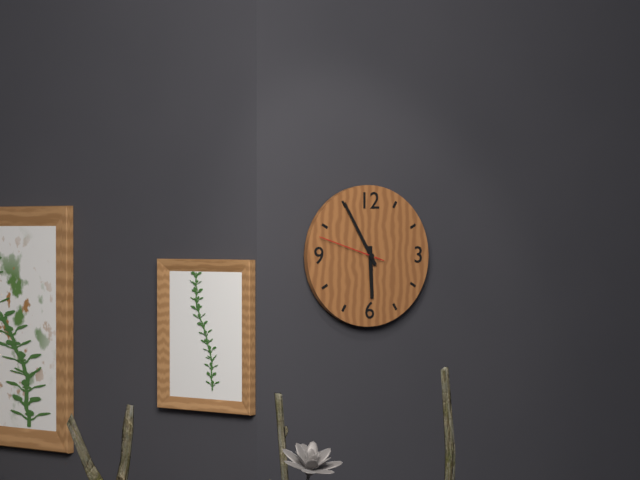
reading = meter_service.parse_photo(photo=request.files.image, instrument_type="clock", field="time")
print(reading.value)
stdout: 5:55:48
